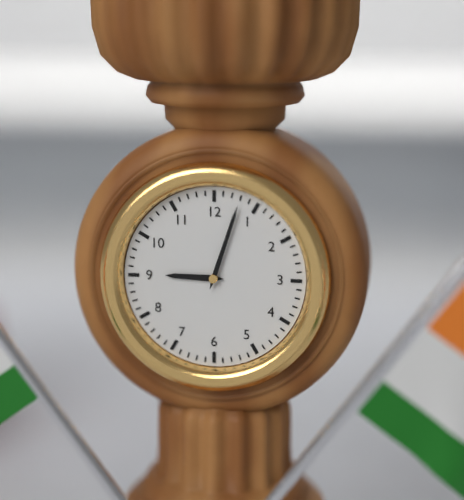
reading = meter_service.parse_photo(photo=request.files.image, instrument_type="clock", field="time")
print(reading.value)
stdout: 9:03
